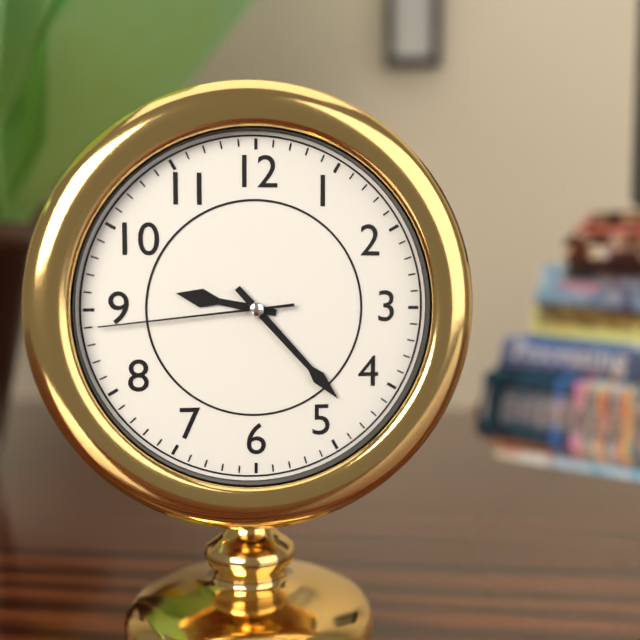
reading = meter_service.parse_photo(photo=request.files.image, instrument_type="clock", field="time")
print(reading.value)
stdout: 9:23:44
